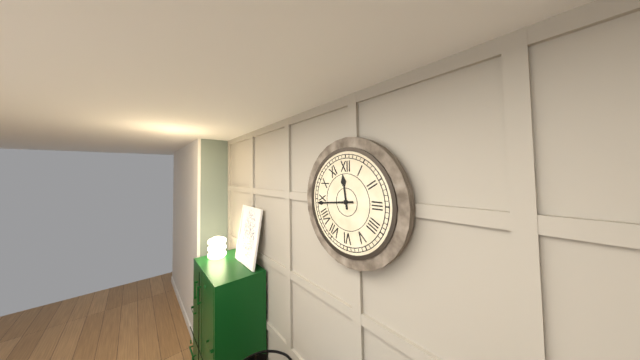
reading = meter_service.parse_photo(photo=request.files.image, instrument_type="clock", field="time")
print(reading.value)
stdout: 11:44
